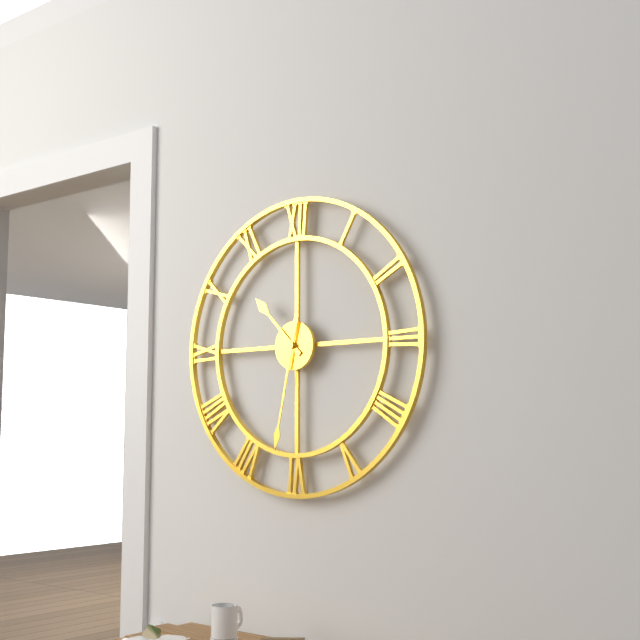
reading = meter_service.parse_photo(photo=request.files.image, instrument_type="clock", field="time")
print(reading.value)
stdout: 10:32
